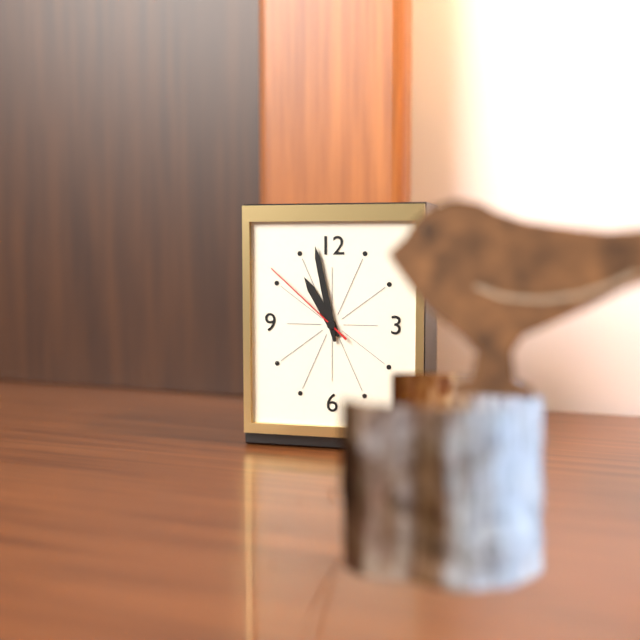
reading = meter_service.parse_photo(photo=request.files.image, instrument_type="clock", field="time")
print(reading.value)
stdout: 10:58:52
